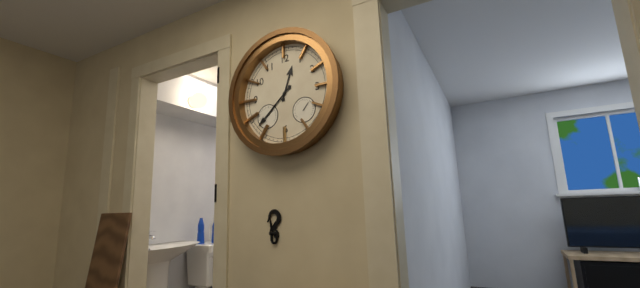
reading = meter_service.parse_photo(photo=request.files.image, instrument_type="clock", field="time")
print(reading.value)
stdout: 12:38
